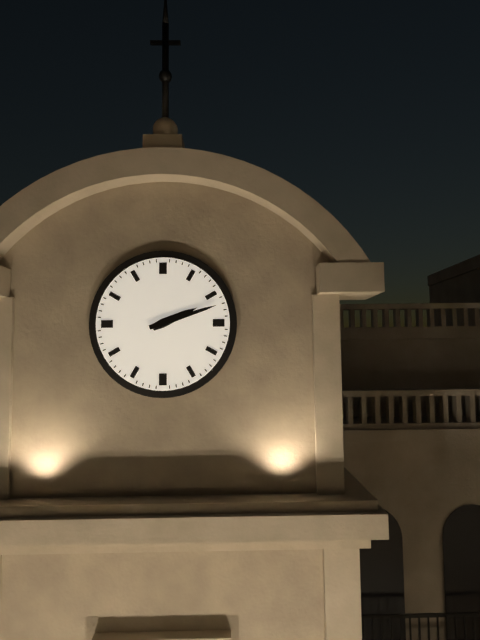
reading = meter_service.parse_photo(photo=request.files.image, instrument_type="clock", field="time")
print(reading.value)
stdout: 2:12
